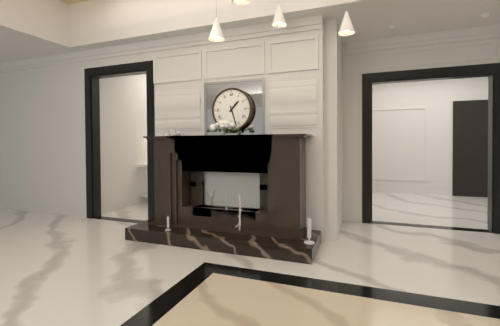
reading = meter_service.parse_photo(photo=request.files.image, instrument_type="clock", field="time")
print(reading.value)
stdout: 1:27
